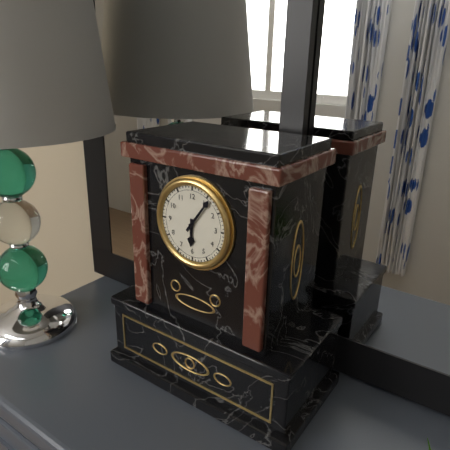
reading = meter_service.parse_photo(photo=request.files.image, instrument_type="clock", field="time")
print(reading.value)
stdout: 6:06
